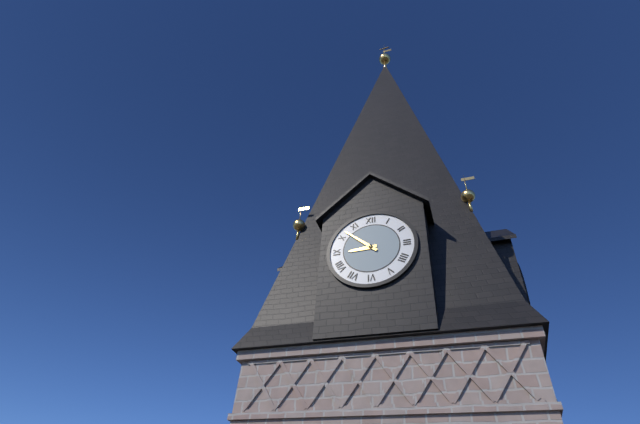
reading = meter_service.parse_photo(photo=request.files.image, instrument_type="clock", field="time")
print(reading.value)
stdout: 8:52
